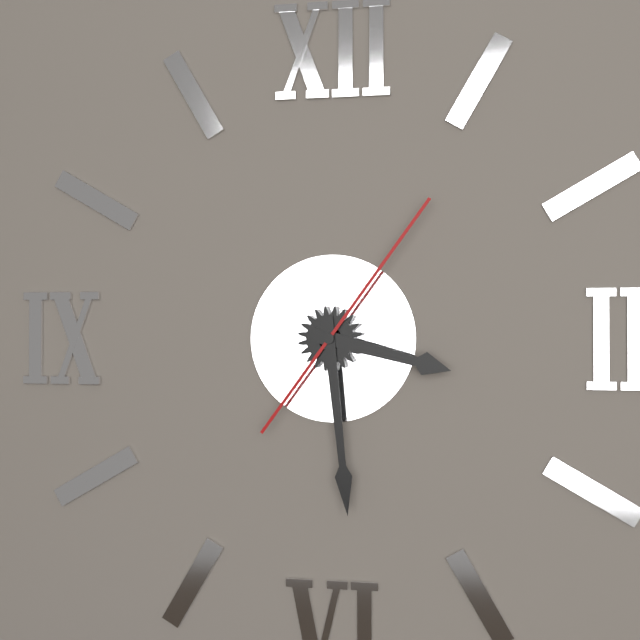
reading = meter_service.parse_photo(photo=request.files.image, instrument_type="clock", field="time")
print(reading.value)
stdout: 3:29:06
